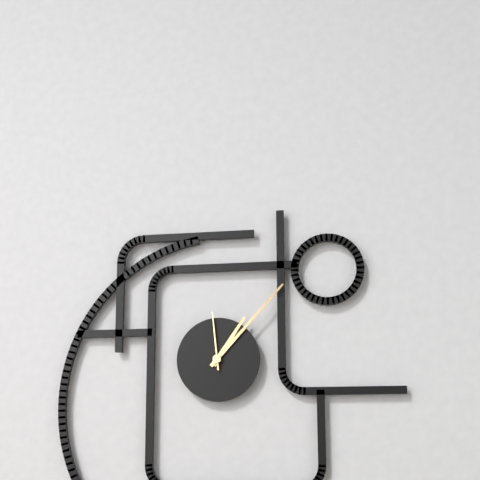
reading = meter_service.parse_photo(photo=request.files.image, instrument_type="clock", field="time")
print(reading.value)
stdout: 1:07:59
